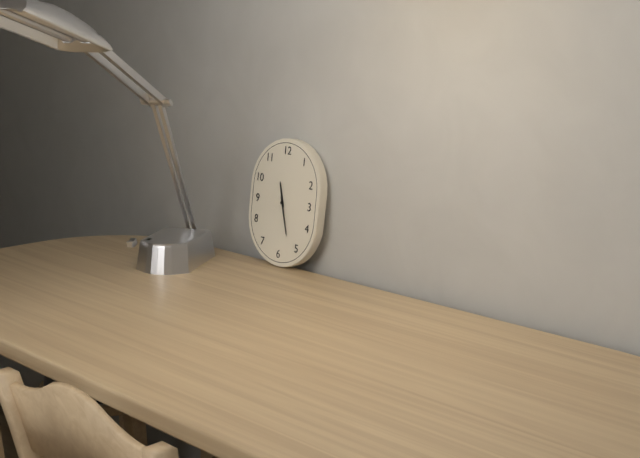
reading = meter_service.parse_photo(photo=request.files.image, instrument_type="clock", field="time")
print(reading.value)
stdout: 11:27
